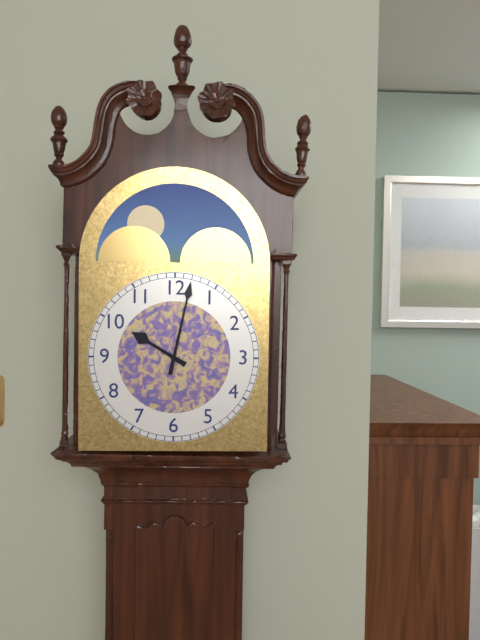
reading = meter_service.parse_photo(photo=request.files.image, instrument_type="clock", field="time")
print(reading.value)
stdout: 10:02
